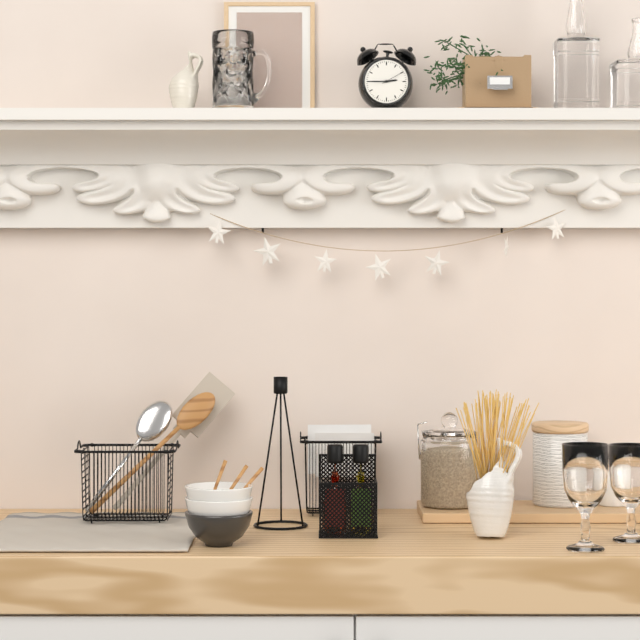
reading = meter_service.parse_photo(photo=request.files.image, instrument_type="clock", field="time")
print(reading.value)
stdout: 2:45
